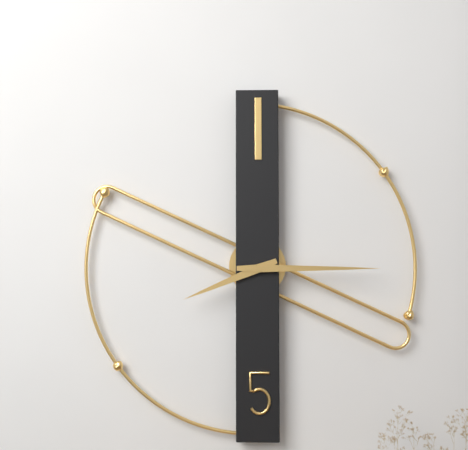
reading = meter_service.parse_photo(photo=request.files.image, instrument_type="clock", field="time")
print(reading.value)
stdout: 8:15
